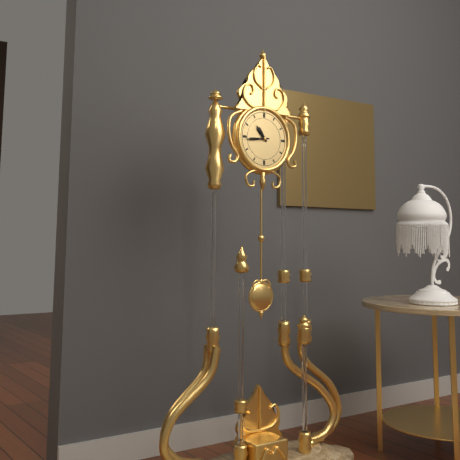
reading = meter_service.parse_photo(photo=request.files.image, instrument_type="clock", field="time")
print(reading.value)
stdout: 10:44
